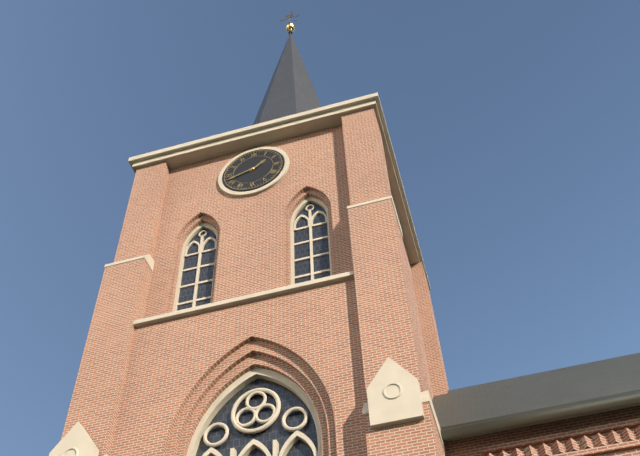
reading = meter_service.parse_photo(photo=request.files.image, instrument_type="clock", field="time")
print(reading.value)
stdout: 1:42
